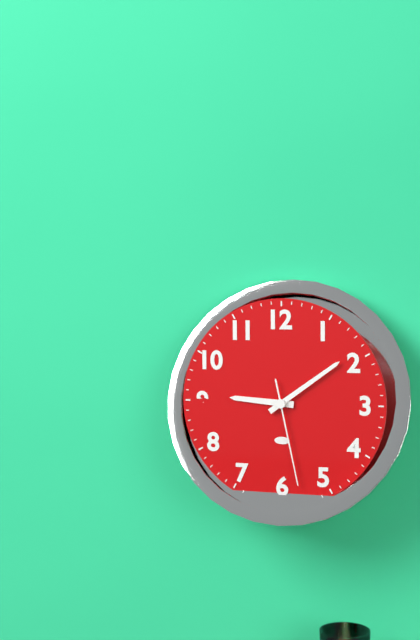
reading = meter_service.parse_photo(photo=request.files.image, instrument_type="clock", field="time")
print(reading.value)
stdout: 9:09:28
